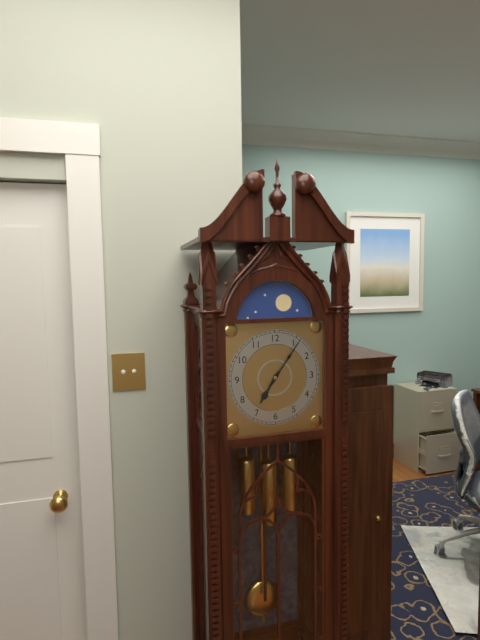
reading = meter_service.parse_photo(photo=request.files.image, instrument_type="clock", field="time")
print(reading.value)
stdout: 7:06
